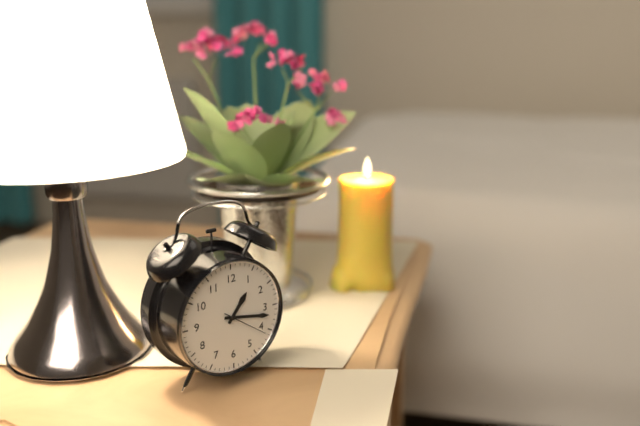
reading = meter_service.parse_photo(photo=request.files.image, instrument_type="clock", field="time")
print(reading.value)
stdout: 1:17
